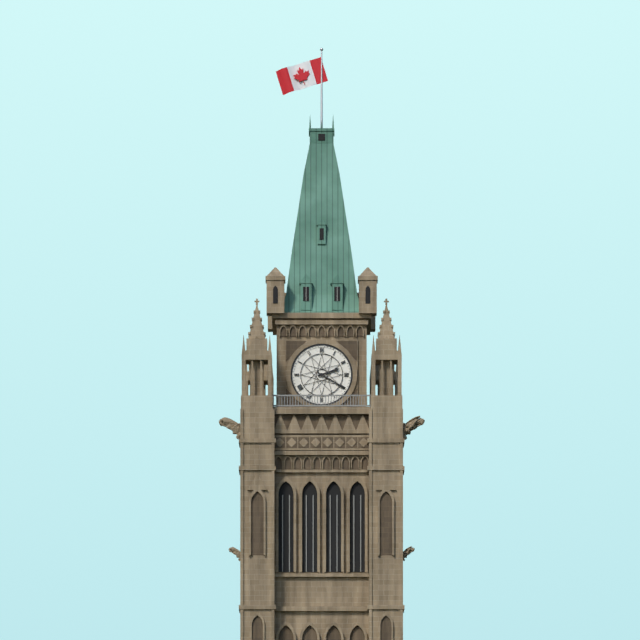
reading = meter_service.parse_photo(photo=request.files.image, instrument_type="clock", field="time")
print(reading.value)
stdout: 2:20
